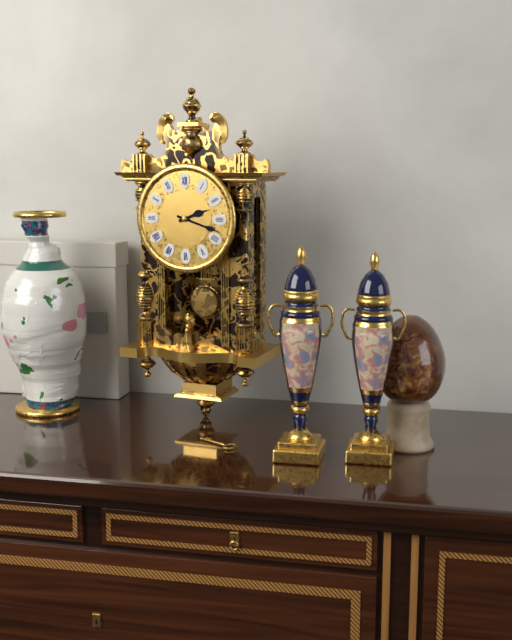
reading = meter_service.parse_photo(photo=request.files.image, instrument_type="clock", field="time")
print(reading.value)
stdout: 2:18
